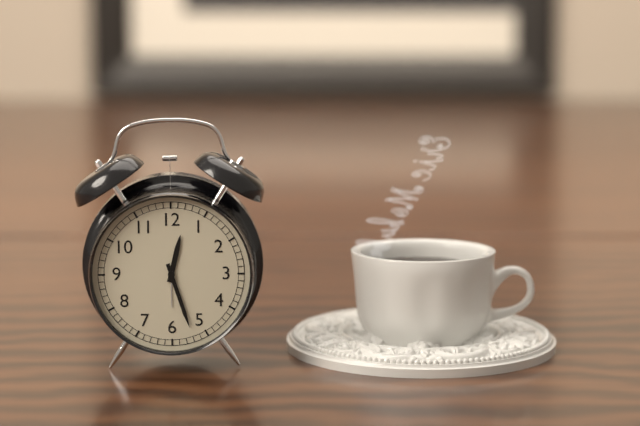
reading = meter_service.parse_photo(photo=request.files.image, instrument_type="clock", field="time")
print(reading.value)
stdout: 12:27
